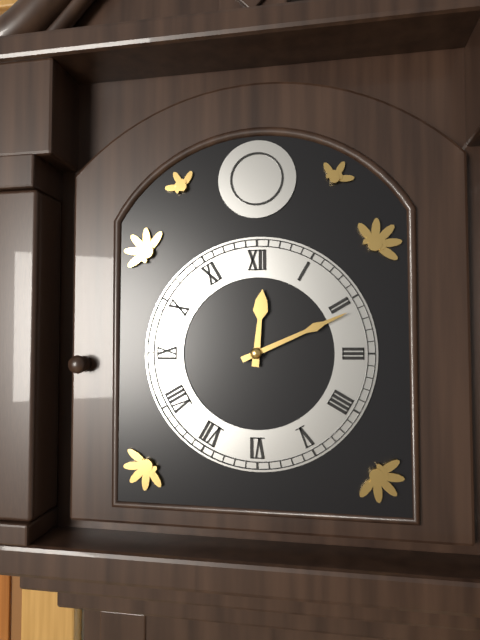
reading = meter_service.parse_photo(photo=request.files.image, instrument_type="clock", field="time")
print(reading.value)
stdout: 12:11
